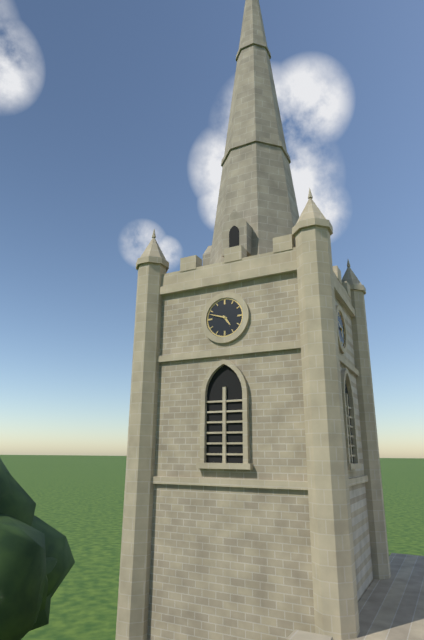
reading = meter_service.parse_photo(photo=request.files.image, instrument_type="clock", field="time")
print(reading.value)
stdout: 4:48
